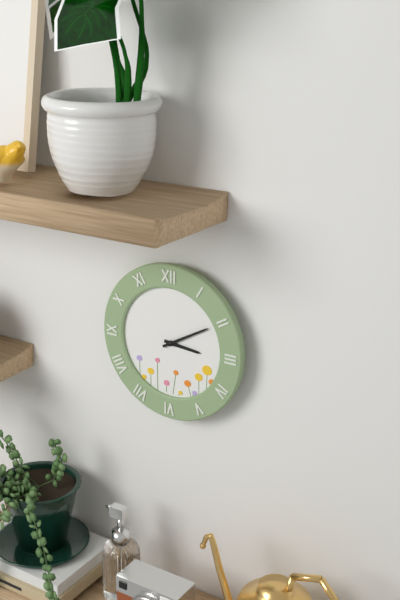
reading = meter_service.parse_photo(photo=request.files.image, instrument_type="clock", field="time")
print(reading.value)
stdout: 3:10
